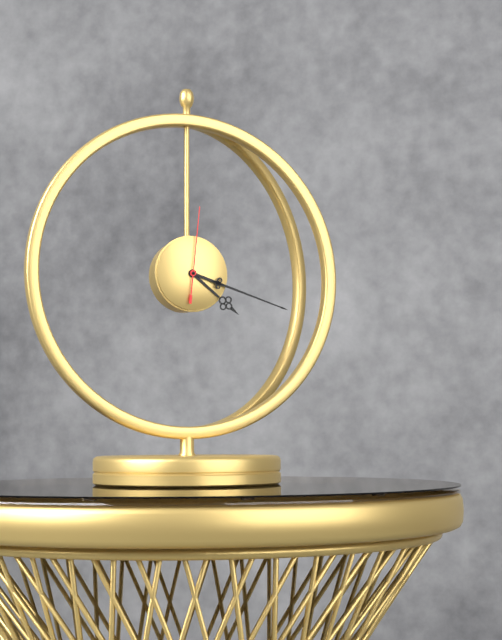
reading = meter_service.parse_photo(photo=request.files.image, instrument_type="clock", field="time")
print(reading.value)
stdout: 4:18:01
